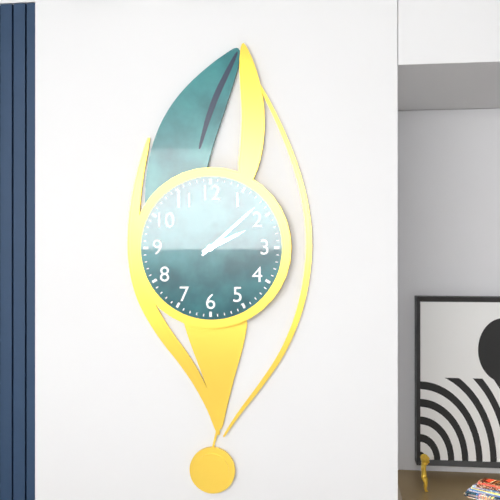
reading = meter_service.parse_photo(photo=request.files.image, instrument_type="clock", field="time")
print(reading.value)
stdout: 2:08
